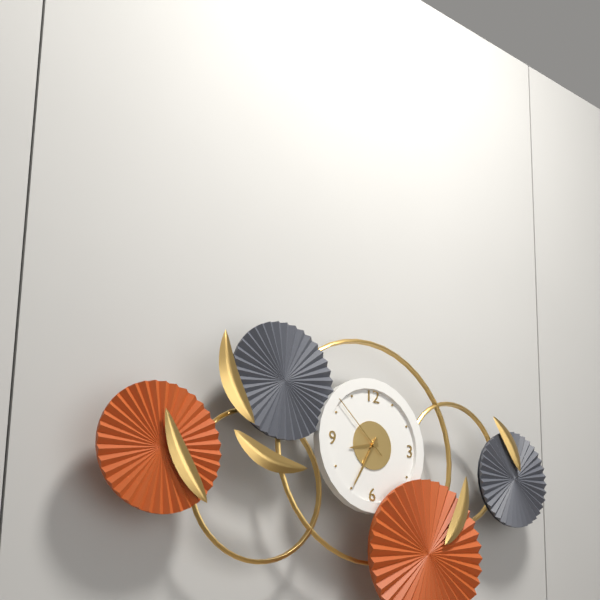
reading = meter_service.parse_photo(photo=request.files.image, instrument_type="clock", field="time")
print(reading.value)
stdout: 8:35:52
